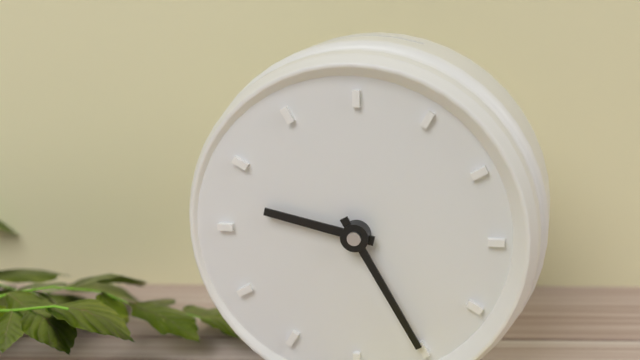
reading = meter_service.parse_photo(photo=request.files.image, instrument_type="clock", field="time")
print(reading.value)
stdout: 9:25
